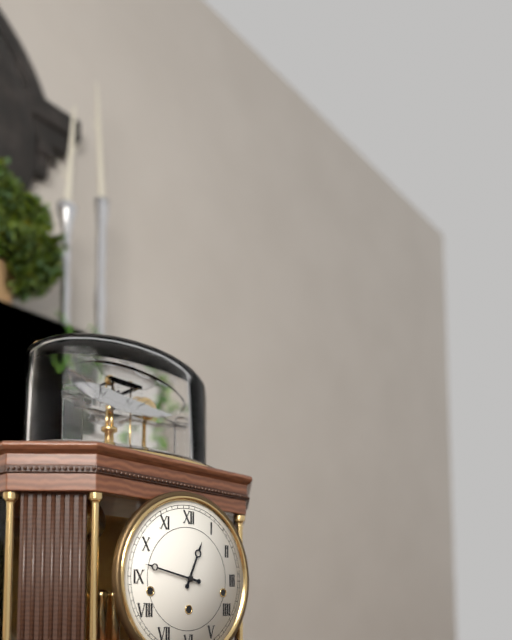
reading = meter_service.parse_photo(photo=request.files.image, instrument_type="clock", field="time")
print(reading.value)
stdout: 12:47
